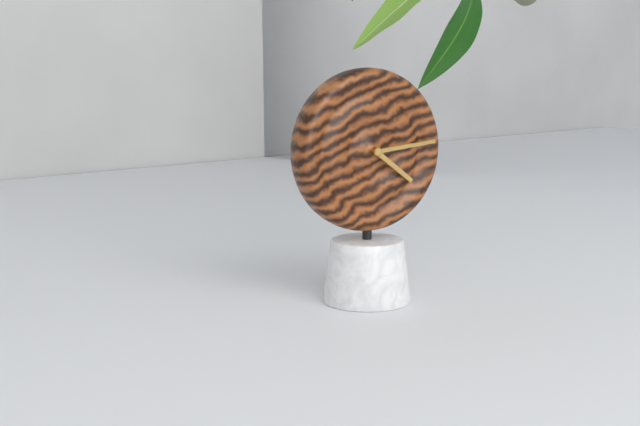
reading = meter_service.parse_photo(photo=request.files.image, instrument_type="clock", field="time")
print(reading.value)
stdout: 4:14
